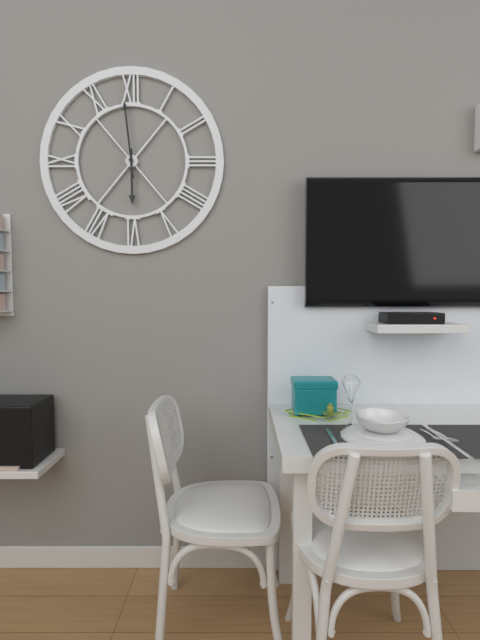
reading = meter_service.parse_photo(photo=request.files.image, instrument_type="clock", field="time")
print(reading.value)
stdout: 5:59
